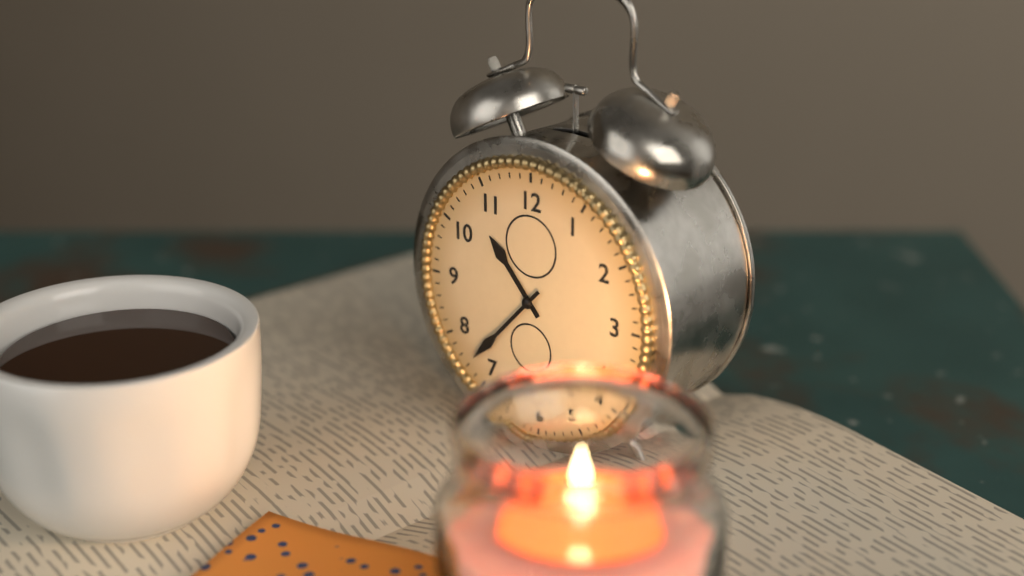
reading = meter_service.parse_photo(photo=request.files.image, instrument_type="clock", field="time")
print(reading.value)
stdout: 10:37
